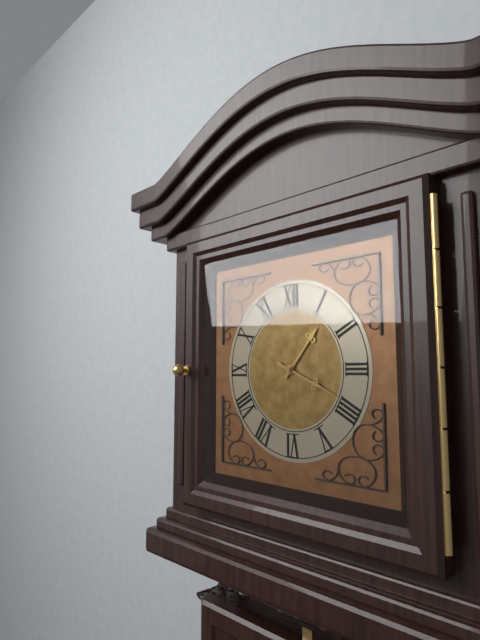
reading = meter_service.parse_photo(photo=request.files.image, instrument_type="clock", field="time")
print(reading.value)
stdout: 1:19
